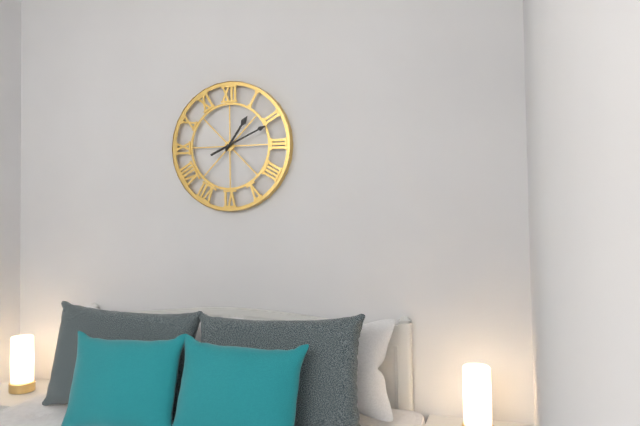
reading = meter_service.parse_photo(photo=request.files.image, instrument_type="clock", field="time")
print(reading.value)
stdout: 1:11
